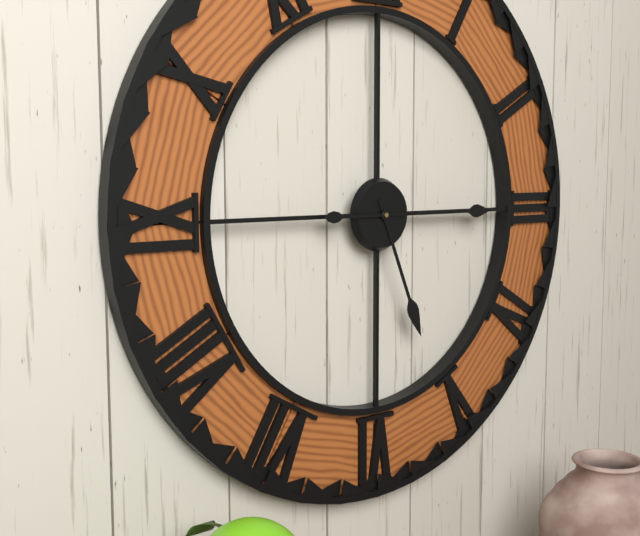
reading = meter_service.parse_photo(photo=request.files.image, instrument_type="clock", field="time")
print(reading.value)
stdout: 5:15
